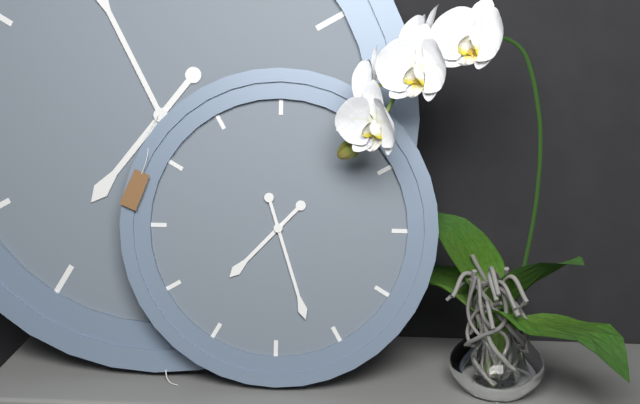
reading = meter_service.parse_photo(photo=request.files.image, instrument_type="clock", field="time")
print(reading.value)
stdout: 7:27
